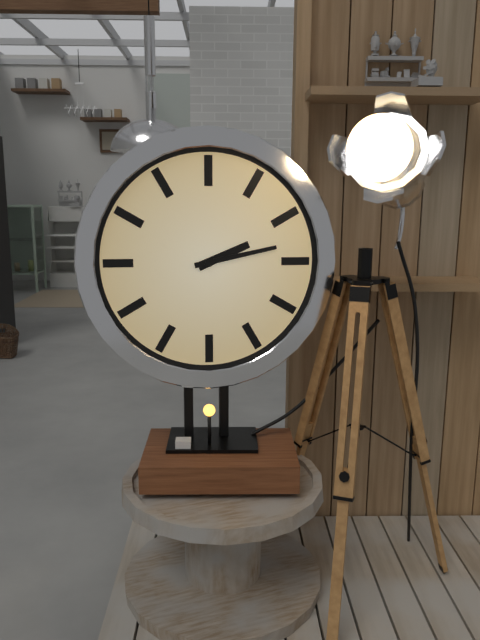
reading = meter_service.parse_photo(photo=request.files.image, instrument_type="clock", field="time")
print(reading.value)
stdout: 2:13
